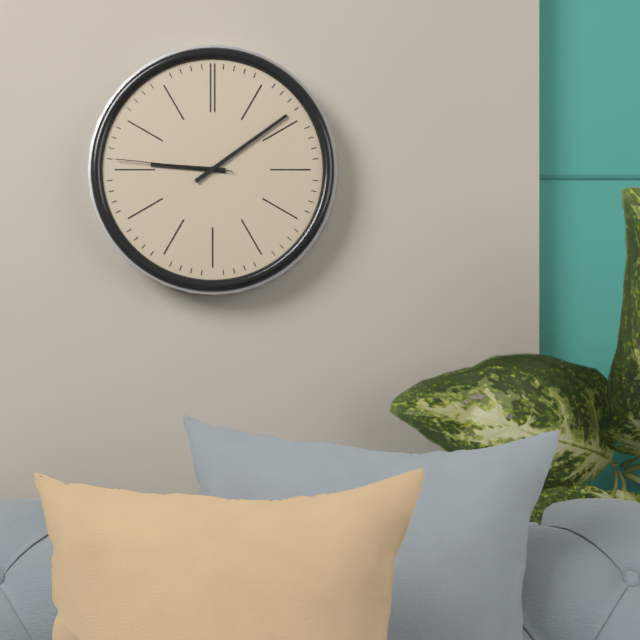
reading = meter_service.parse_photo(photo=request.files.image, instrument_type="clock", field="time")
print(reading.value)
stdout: 9:09:46
